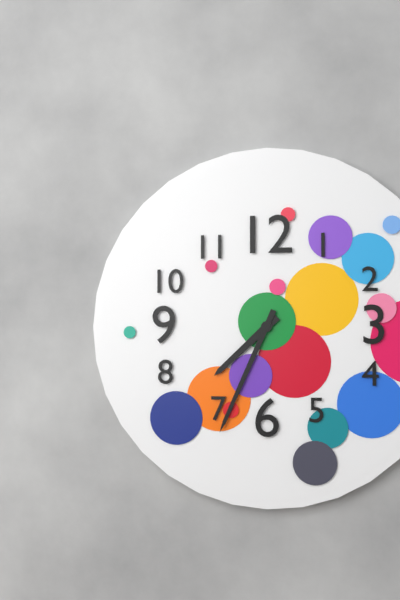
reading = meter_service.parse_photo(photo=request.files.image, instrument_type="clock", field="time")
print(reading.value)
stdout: 7:34
